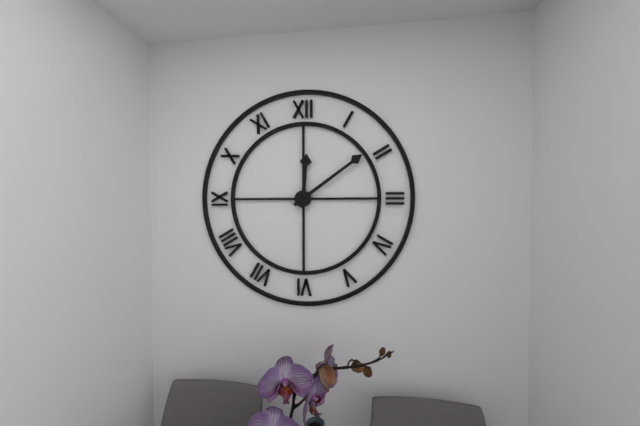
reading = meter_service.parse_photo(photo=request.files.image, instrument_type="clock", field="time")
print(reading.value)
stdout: 12:09
